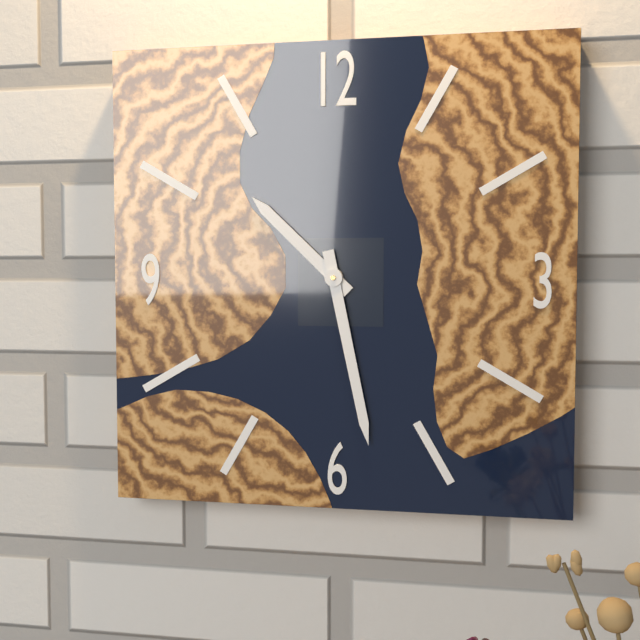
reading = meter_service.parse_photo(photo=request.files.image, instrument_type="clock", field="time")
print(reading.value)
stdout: 10:28
